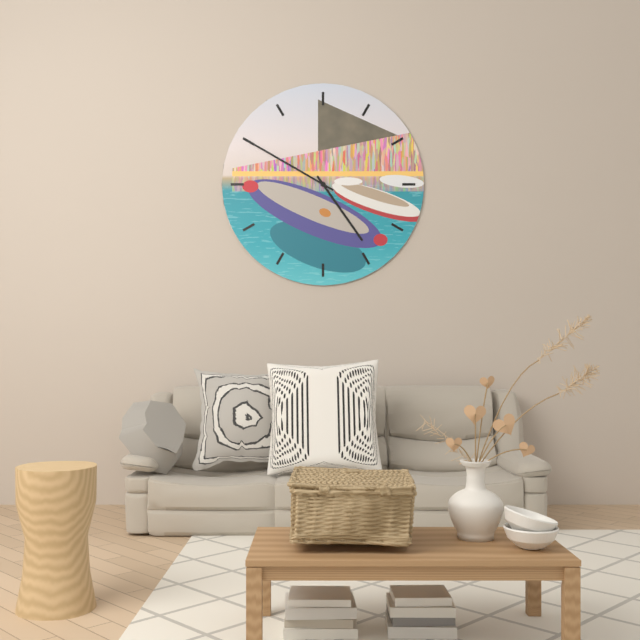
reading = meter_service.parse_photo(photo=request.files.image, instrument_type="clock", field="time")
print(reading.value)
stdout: 4:50
